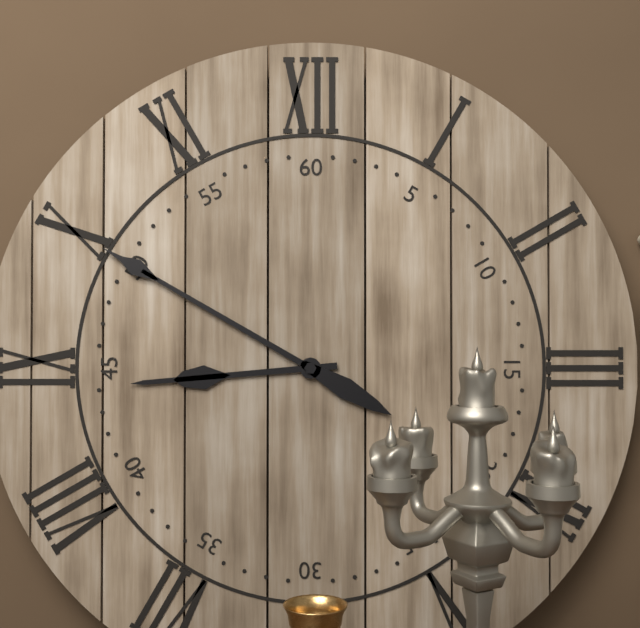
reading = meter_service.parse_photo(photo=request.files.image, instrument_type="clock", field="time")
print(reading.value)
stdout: 8:50
